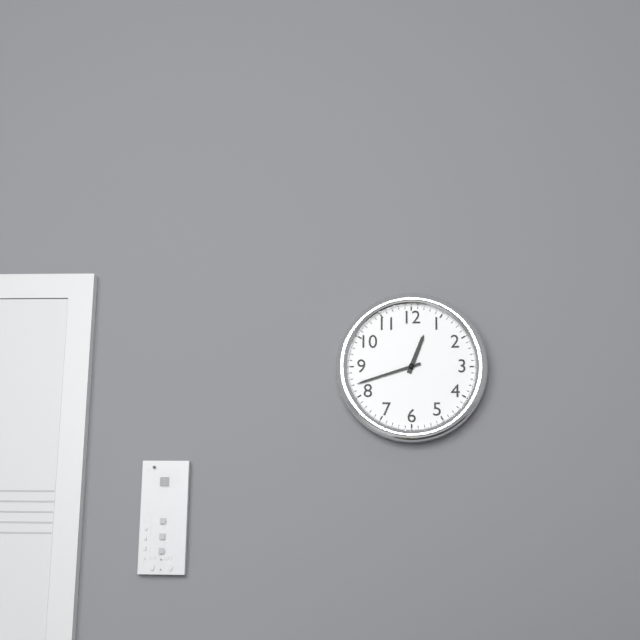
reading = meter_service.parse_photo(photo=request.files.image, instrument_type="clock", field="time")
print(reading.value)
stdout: 12:42
